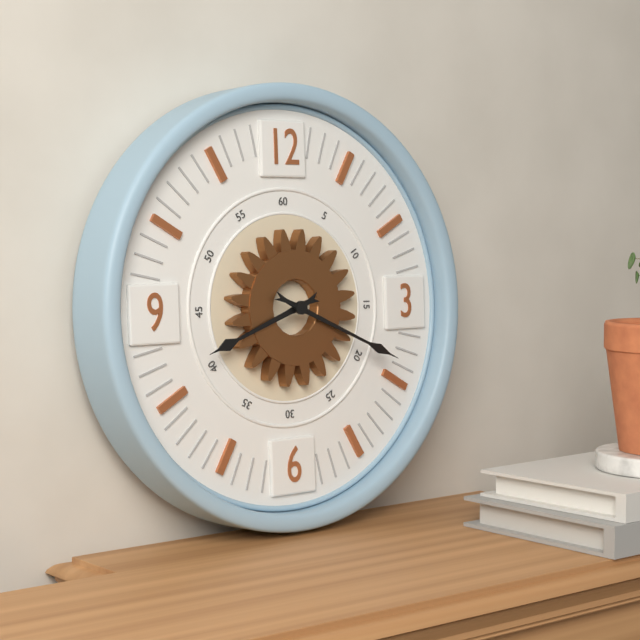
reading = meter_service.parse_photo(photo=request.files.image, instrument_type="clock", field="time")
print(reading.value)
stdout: 8:19
